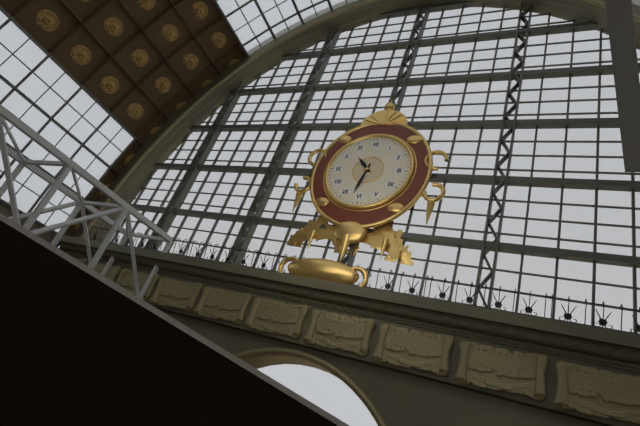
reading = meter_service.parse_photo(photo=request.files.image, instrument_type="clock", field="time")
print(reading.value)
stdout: 10:32
